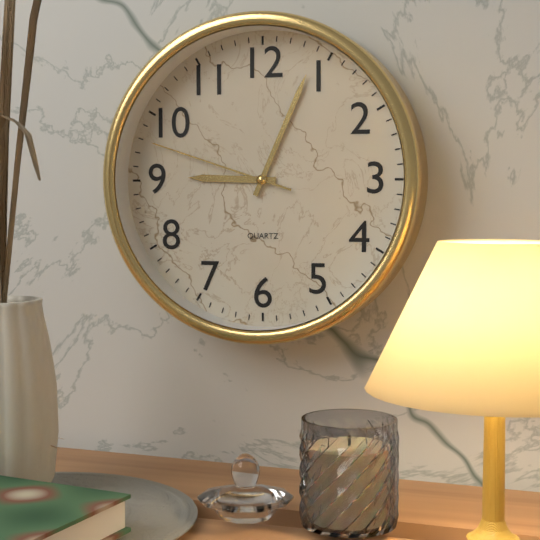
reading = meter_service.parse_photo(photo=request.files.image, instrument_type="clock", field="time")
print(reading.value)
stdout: 9:04:48
